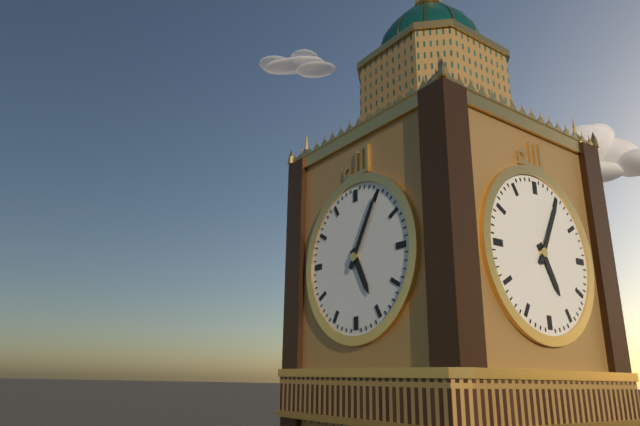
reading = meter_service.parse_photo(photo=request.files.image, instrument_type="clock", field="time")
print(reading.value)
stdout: 5:05
